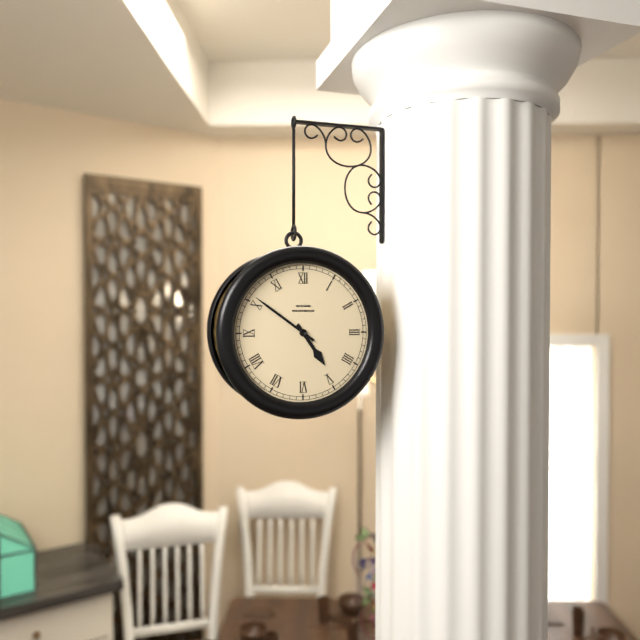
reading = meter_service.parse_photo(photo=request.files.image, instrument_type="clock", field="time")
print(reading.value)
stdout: 4:51
